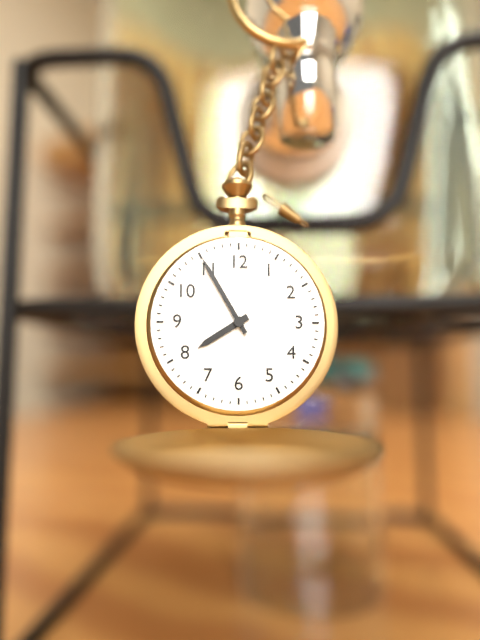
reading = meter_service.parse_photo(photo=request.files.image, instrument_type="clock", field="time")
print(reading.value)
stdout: 7:55
